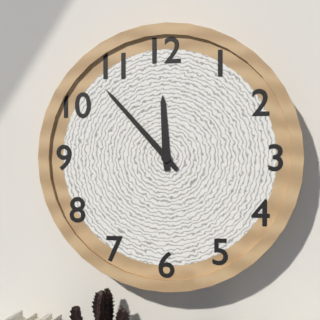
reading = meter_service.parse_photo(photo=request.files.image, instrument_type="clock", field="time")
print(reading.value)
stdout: 11:53
